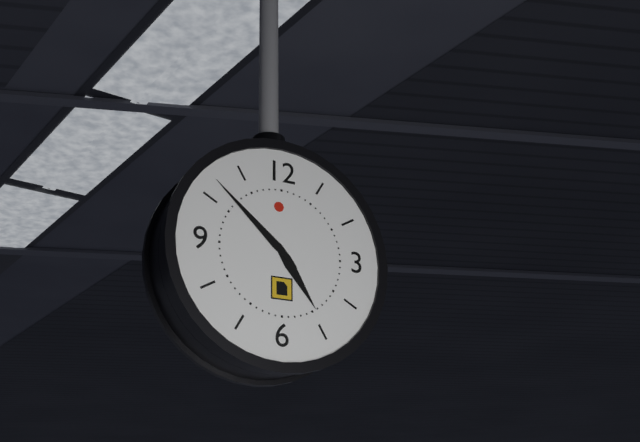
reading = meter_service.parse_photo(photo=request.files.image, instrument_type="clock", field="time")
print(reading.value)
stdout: 4:52
